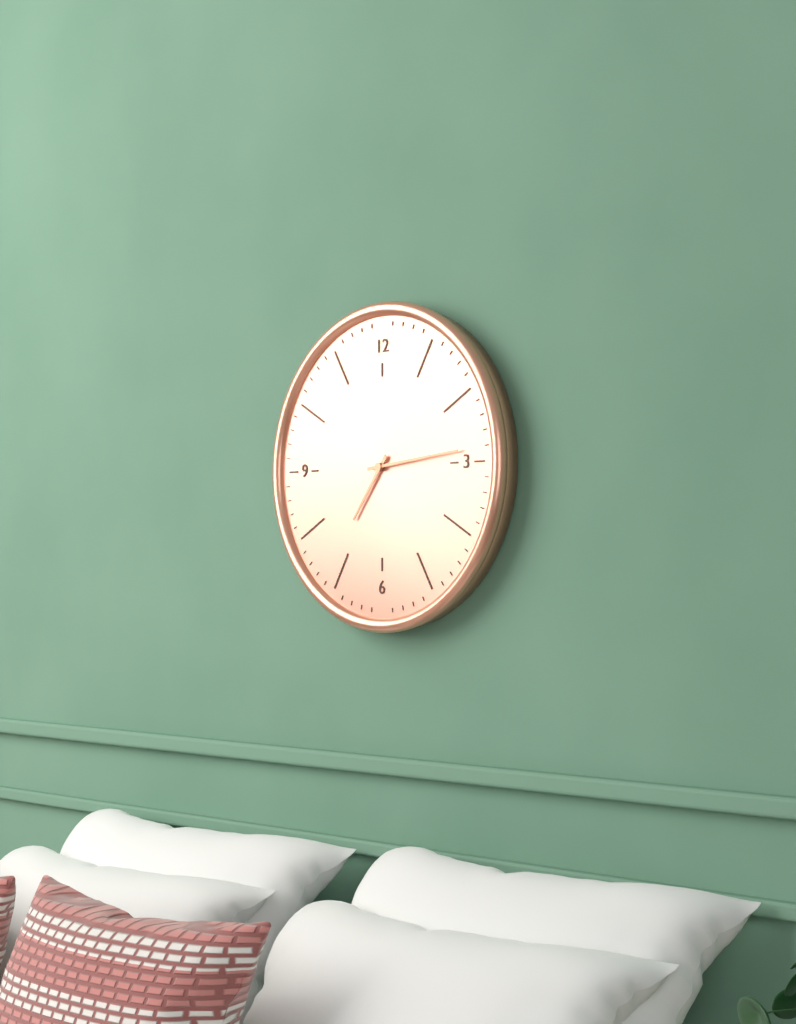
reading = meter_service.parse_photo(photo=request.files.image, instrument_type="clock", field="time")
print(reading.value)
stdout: 7:14
